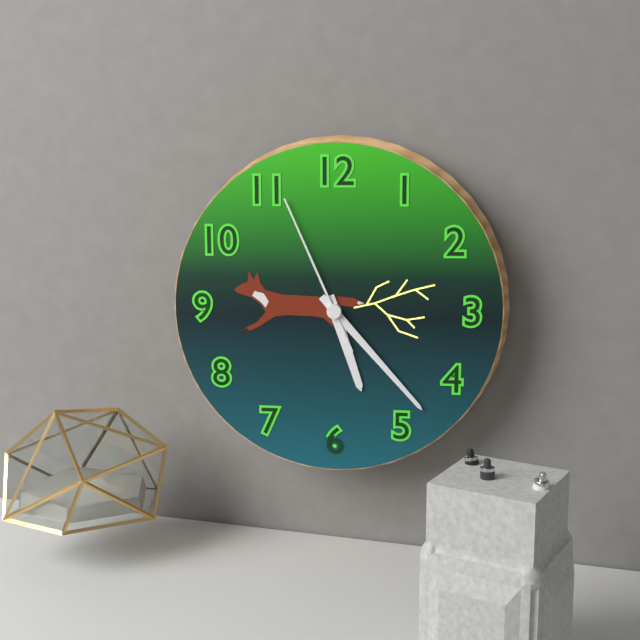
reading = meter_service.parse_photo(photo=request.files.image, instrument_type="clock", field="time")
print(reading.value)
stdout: 5:23:56
